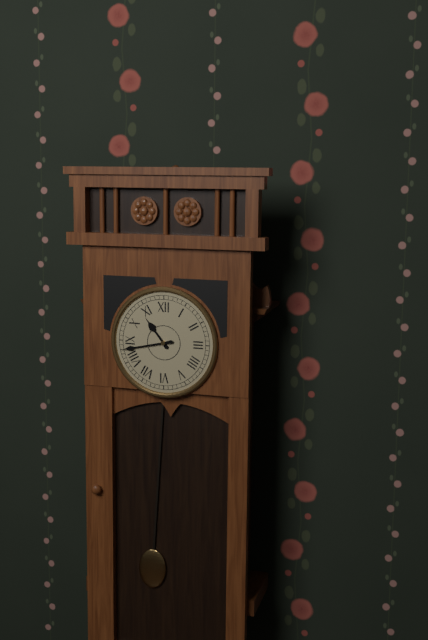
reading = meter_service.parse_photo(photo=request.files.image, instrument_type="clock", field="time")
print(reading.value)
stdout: 10:43
